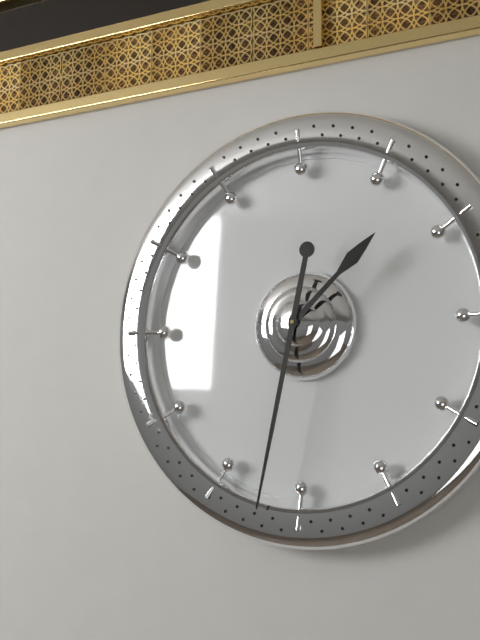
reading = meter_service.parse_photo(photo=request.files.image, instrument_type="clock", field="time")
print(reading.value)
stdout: 1:32
